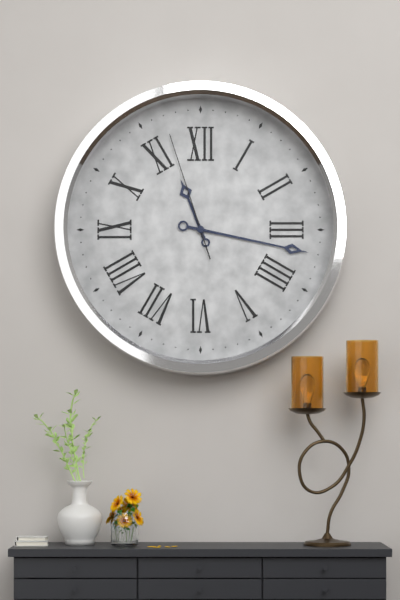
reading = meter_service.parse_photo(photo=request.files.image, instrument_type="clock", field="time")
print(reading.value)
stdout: 11:17:57
